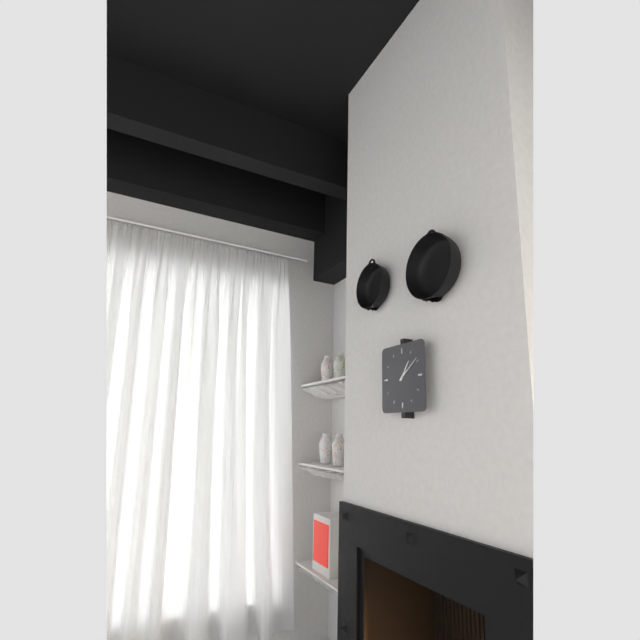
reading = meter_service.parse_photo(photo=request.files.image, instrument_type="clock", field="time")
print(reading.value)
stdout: 1:09
